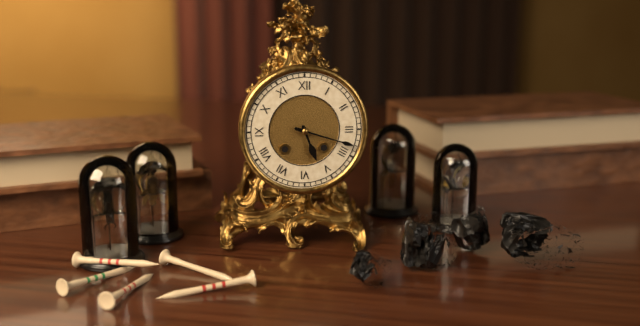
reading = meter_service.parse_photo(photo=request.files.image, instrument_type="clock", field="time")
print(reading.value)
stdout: 5:18
